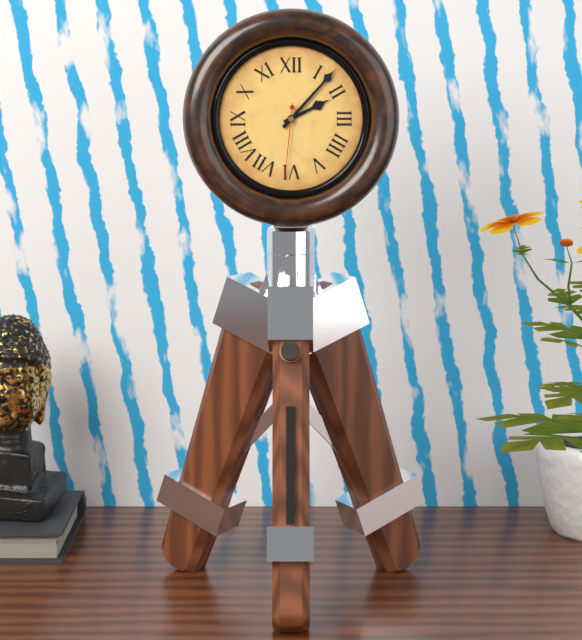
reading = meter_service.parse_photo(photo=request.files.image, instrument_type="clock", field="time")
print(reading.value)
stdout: 2:07:31
